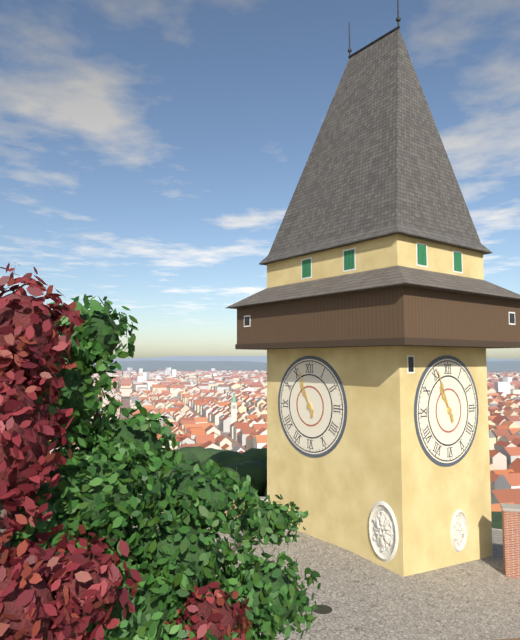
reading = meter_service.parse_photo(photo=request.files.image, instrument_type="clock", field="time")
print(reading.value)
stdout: 10:56
